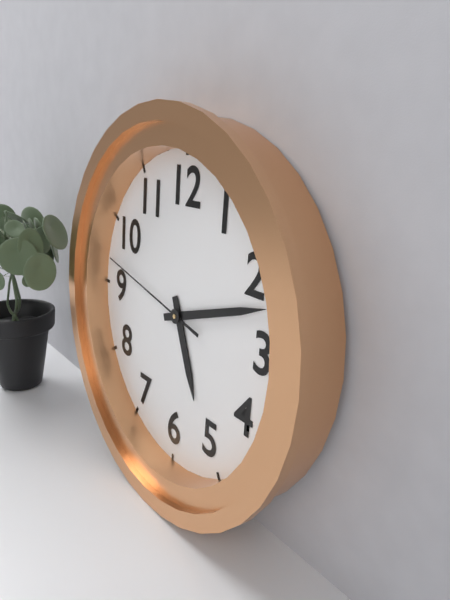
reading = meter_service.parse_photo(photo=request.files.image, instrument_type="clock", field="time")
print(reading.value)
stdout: 5:12:47
